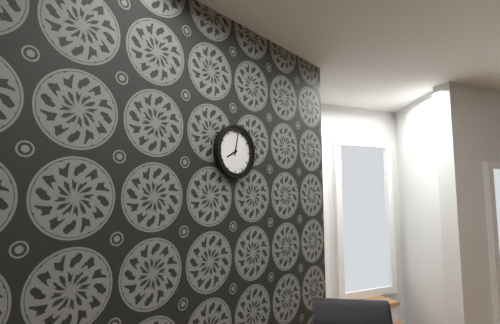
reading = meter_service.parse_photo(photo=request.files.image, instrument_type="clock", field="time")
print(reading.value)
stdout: 8:02
